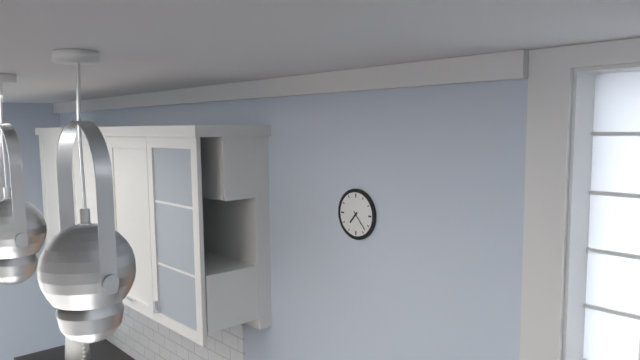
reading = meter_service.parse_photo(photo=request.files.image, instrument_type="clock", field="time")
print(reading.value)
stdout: 7:23
